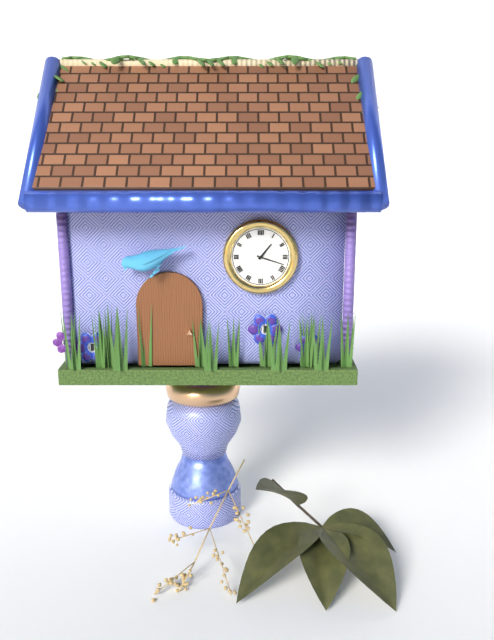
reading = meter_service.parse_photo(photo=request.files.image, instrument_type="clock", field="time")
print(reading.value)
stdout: 1:18
